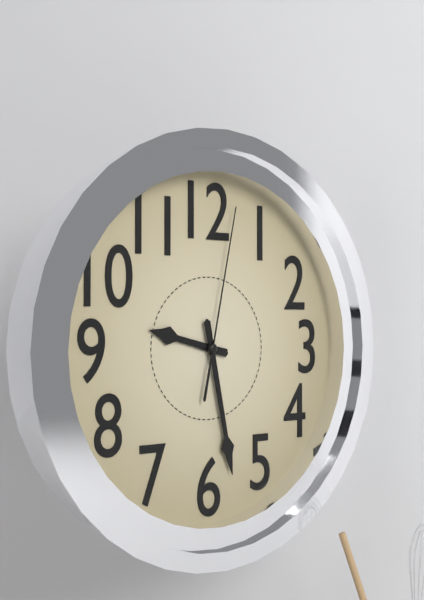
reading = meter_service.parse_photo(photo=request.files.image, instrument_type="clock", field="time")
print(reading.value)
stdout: 9:28:02
